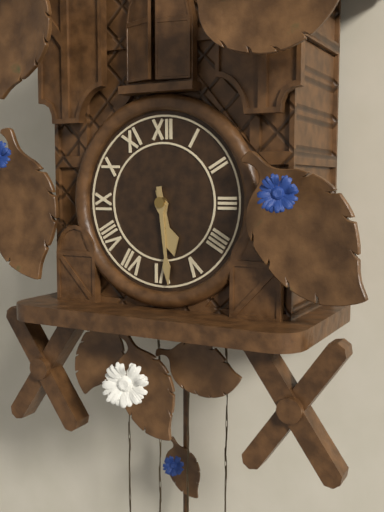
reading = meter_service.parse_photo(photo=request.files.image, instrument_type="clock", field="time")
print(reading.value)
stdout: 5:29
